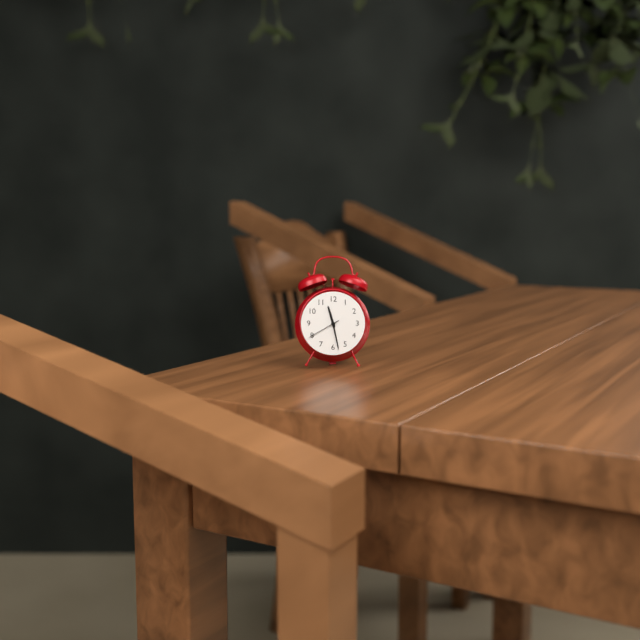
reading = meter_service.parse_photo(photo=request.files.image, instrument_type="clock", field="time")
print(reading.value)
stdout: 11:28
